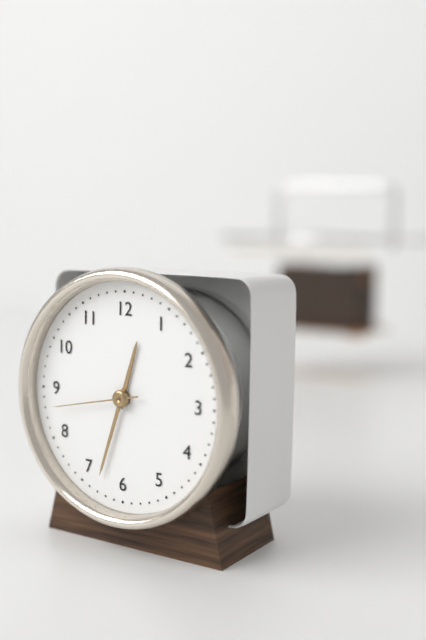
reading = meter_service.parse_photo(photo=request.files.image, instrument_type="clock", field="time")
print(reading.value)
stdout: 12:33:43
